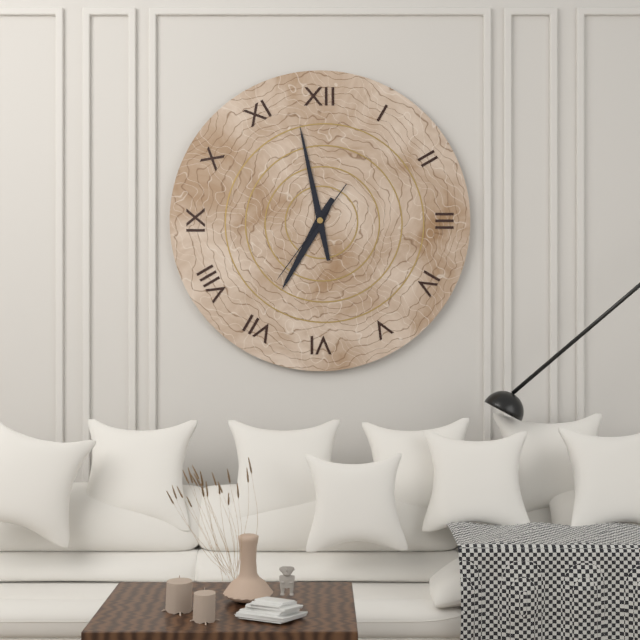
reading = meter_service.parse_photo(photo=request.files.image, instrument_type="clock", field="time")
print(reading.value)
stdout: 6:58:36
